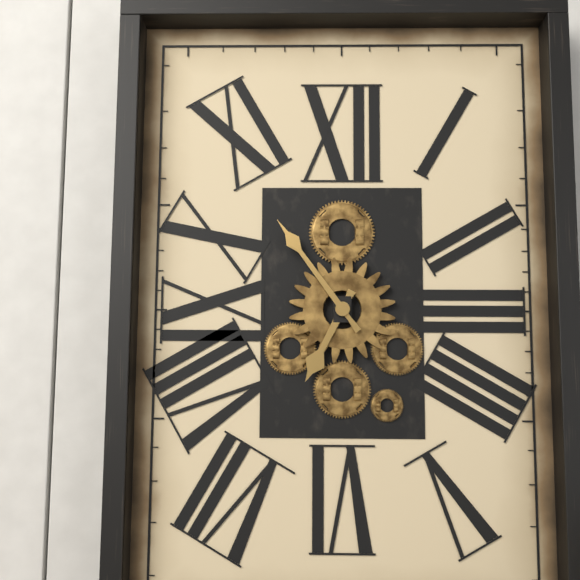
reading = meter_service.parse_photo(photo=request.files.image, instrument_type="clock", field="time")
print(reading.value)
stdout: 6:54
